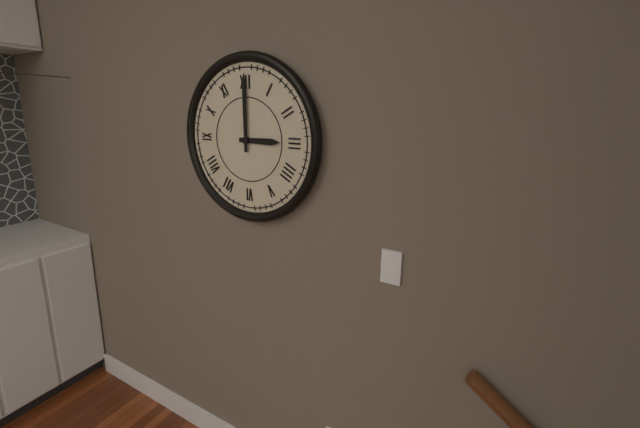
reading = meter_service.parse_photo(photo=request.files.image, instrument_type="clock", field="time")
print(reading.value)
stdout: 3:00
